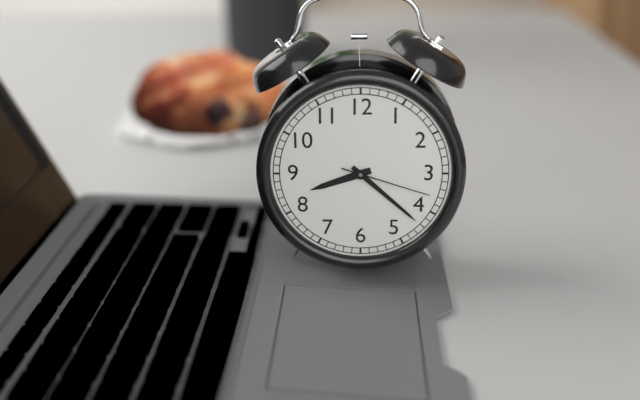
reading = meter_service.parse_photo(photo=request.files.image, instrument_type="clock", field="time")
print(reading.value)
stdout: 8:22:18
